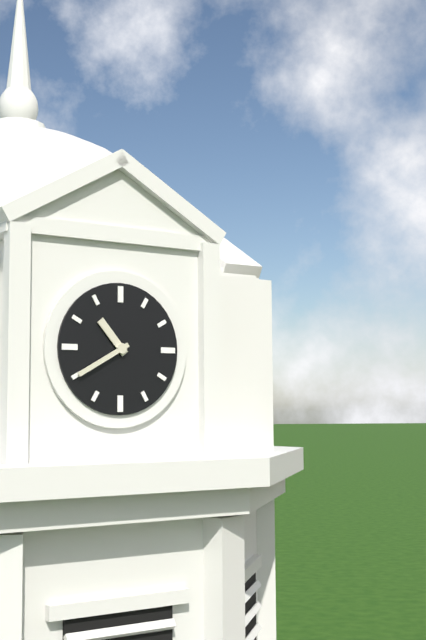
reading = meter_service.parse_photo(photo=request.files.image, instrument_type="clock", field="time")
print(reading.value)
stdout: 10:40
